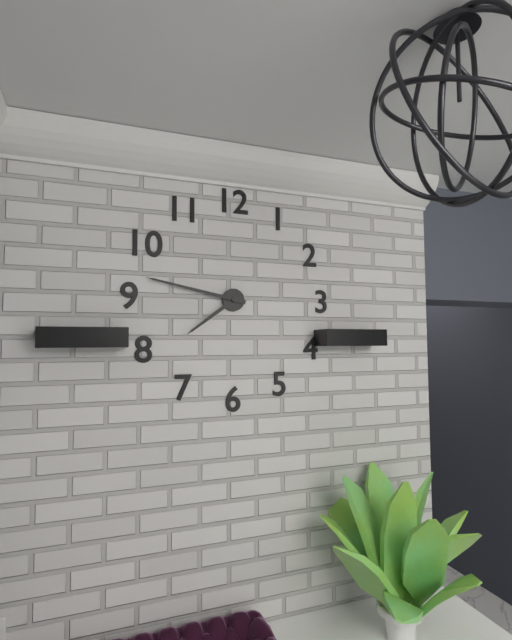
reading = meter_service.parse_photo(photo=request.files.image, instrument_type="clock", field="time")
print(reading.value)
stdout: 7:47
